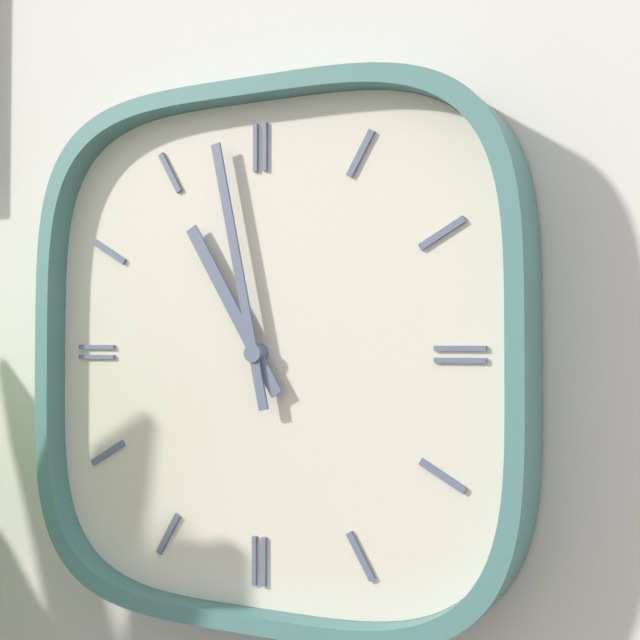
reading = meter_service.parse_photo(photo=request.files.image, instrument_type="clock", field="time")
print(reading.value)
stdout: 10:58
